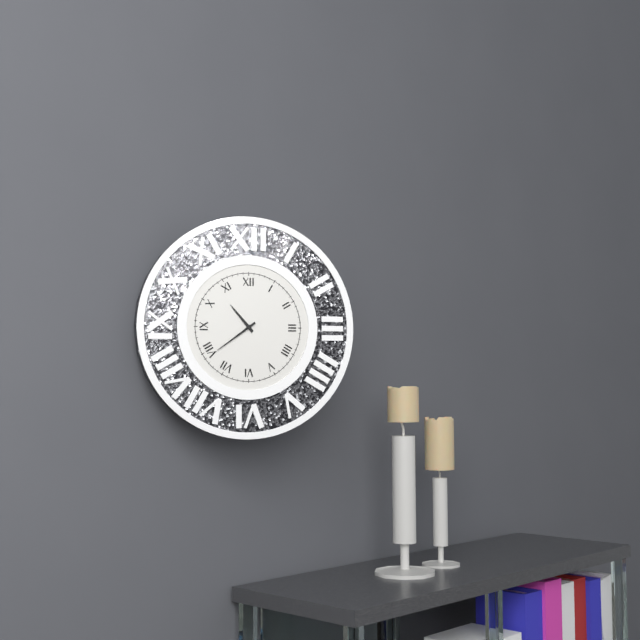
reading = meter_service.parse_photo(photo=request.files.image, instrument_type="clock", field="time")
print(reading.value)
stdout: 10:39
